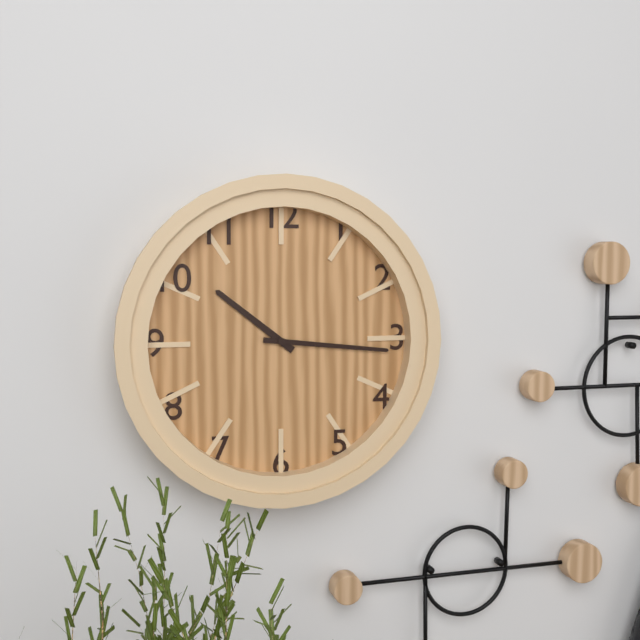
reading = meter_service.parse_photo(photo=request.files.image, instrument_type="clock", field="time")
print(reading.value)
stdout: 10:16
